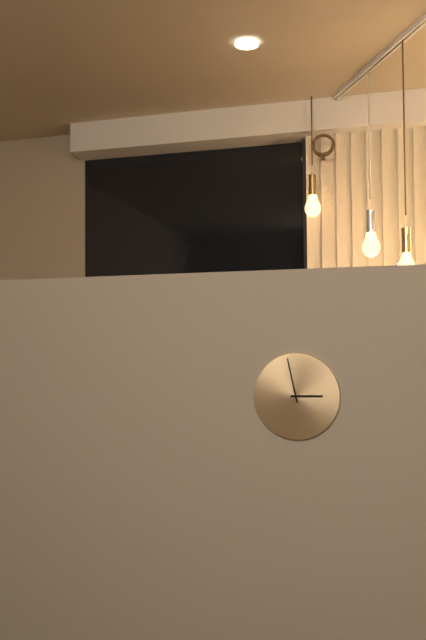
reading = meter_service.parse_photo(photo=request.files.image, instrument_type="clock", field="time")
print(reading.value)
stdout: 2:58
